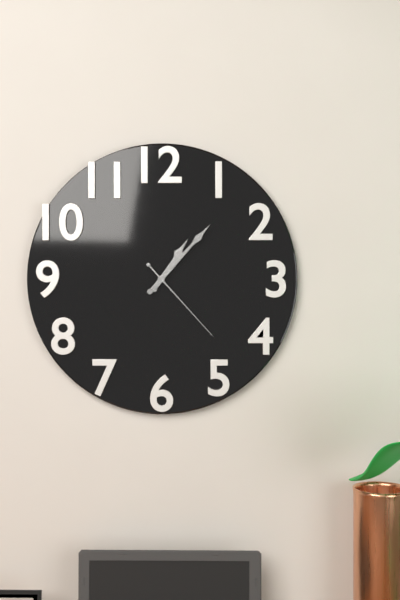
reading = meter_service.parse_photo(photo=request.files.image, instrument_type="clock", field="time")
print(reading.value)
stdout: 1:07:23
